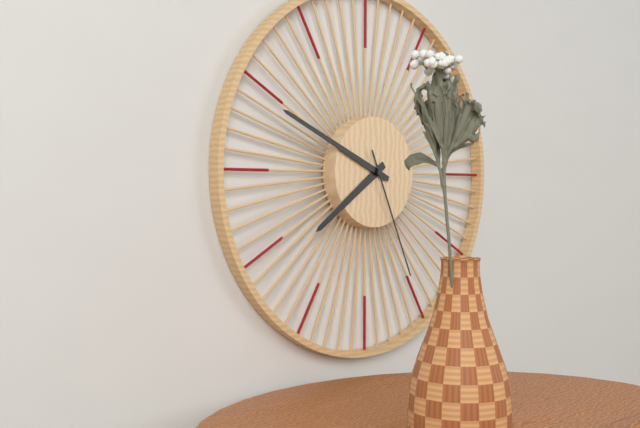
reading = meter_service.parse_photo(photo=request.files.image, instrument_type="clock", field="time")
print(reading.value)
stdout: 7:49:26
